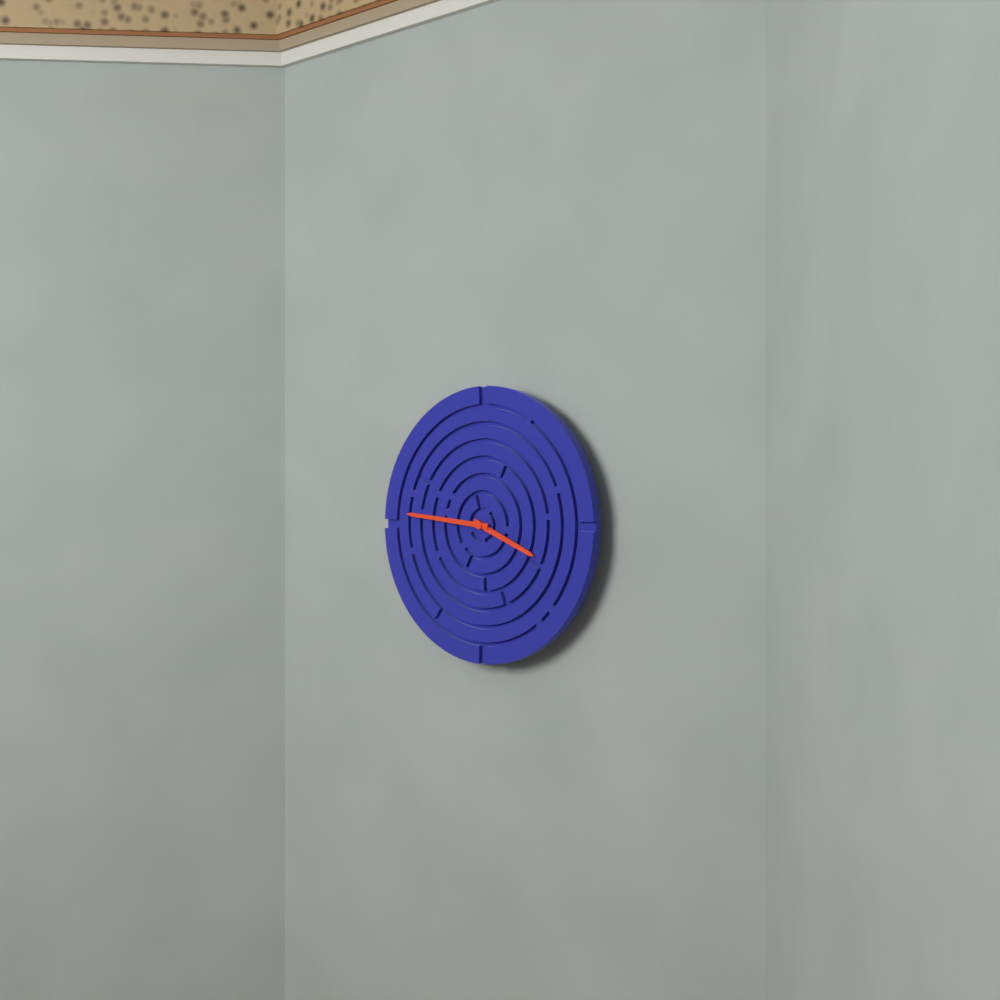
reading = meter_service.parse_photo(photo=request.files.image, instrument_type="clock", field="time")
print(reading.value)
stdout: 3:46
